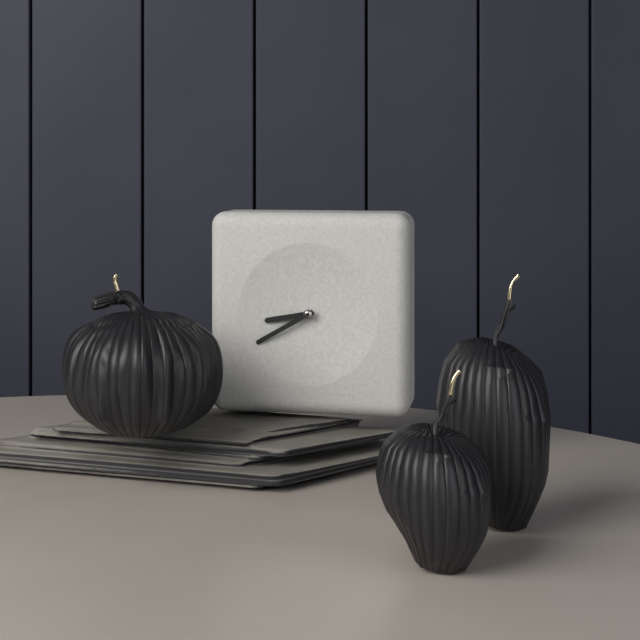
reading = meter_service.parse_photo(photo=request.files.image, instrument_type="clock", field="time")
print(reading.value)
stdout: 8:40
